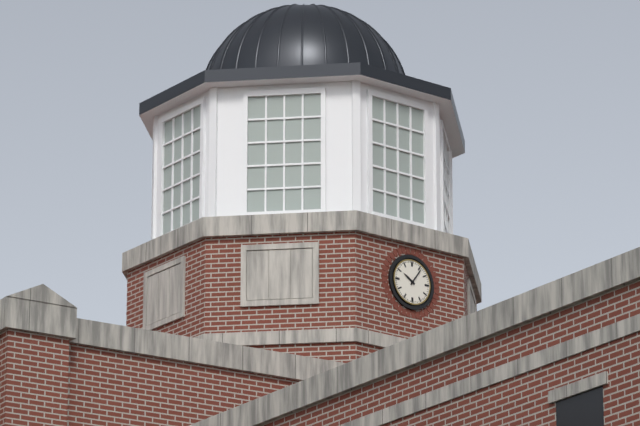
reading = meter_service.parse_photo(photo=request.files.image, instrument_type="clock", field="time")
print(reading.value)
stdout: 10:06
